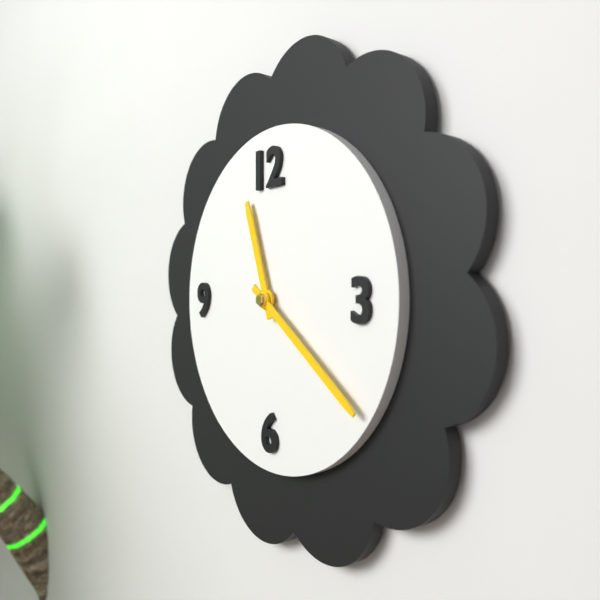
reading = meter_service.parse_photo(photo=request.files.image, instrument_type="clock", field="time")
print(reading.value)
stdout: 11:21
